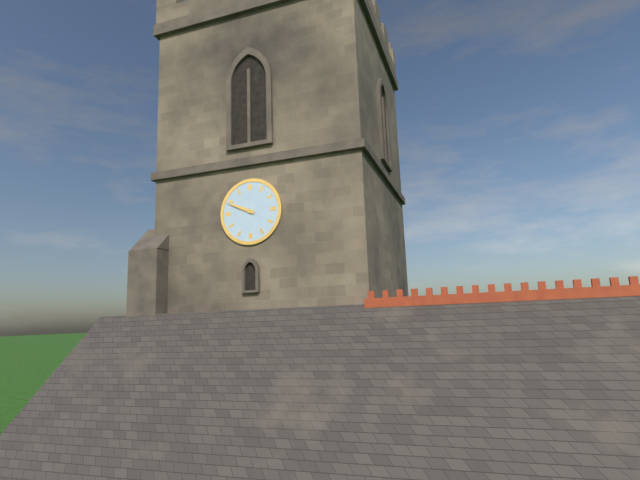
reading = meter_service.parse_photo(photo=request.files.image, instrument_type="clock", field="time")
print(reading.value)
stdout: 9:49
